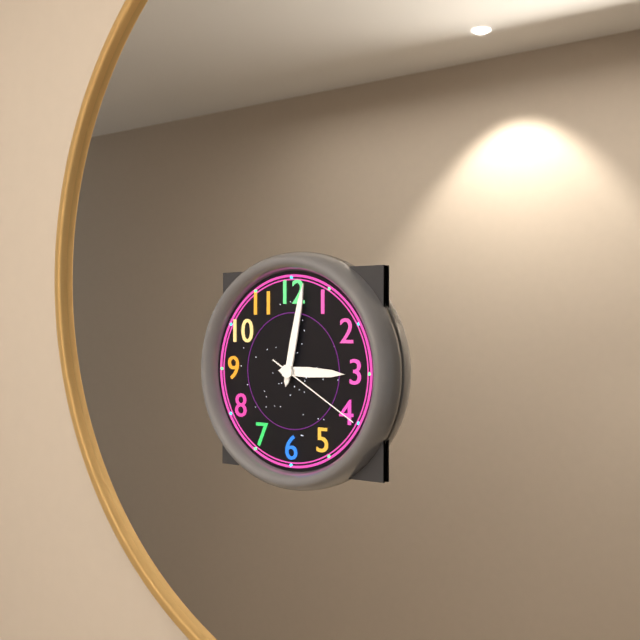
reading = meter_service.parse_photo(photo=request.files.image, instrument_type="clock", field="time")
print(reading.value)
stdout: 3:02:20
